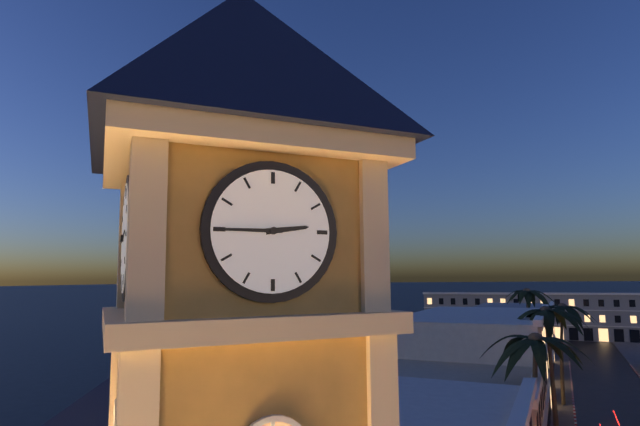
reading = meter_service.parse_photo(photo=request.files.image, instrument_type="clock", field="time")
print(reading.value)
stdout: 2:45
